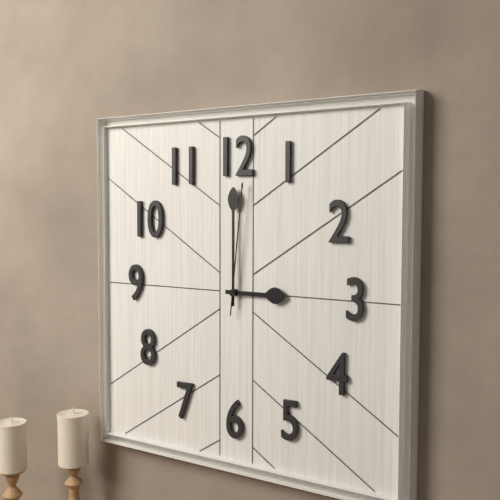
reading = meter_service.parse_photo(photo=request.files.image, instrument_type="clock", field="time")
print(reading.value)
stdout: 3:00:01
